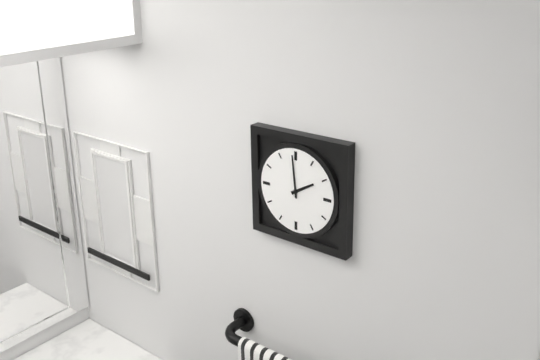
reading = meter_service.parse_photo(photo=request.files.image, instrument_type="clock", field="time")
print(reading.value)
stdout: 1:59
